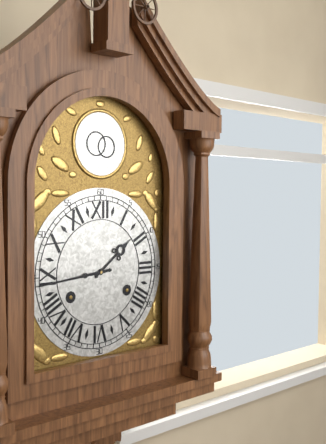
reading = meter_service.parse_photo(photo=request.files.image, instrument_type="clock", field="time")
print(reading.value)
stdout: 1:44
